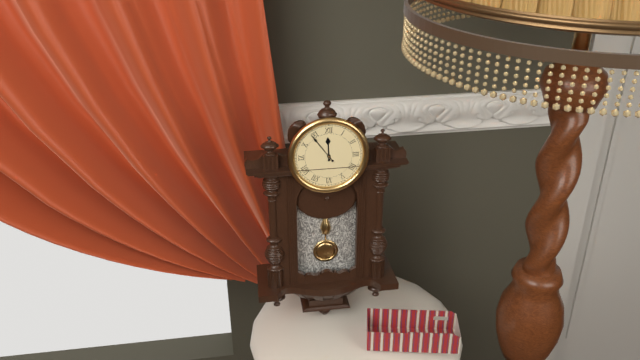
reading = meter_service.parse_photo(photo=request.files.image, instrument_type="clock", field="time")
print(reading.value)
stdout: 11:54
